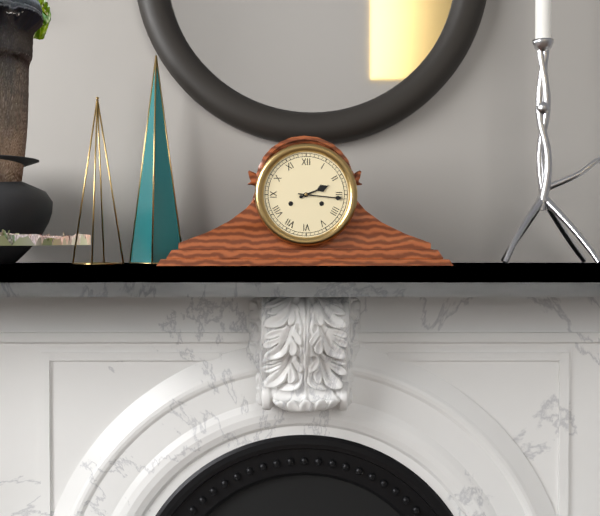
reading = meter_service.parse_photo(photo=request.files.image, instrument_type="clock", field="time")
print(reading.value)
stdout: 2:16
